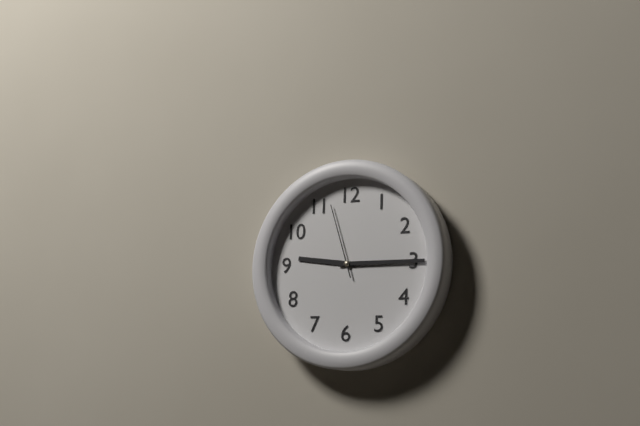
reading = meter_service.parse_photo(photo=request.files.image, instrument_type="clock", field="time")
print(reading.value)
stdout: 9:15:57
